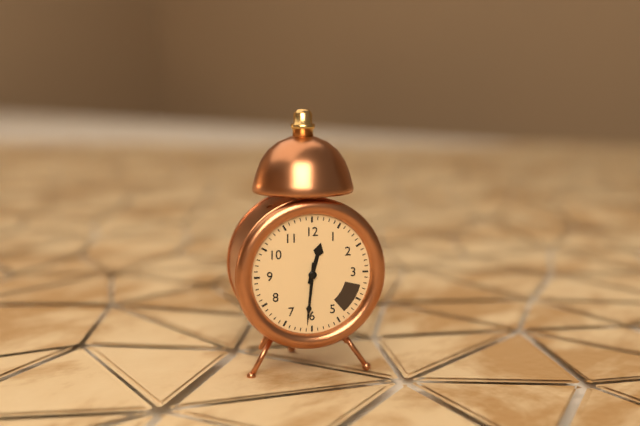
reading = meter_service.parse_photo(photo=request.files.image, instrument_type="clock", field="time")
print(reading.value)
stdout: 12:31
